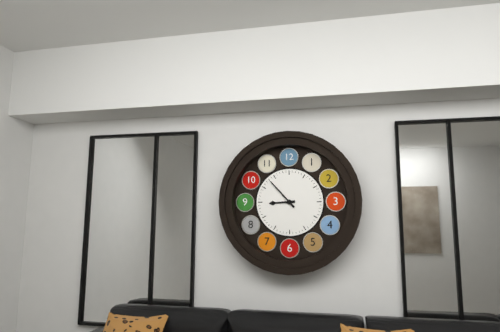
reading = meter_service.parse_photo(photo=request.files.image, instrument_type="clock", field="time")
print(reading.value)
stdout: 8:53
